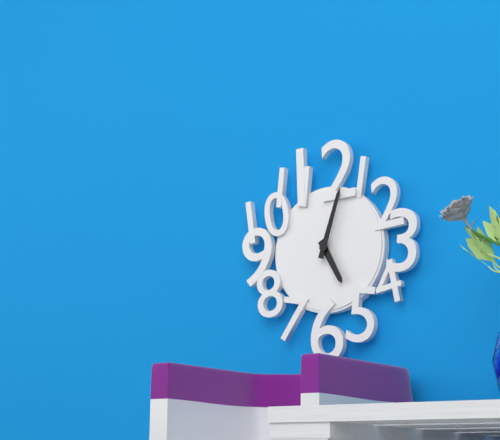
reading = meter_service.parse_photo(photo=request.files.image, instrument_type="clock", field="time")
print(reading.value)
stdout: 5:03
